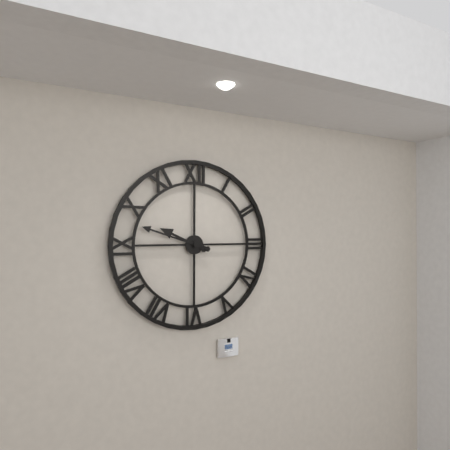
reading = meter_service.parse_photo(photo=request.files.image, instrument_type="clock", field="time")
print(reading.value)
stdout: 9:48
